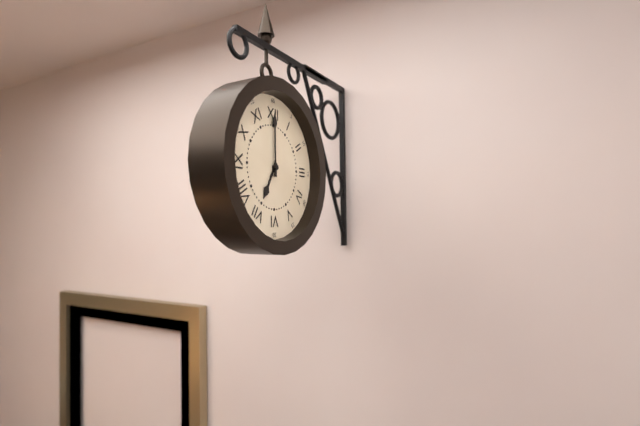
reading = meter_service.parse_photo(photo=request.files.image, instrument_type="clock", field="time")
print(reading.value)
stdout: 7:00
